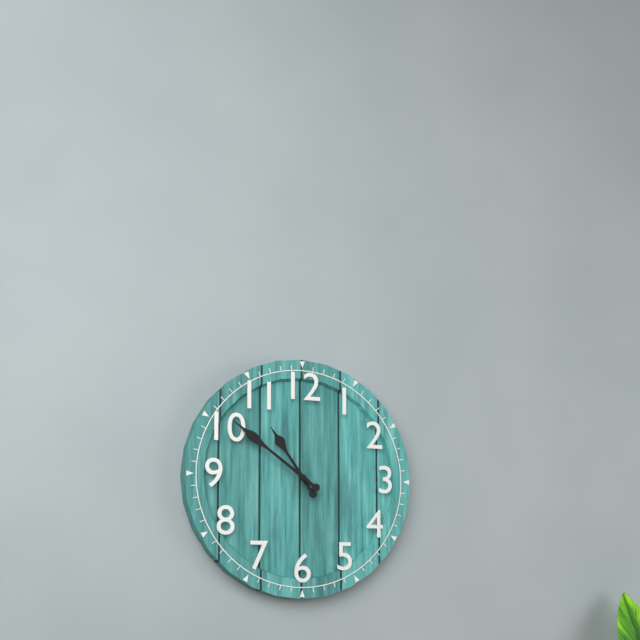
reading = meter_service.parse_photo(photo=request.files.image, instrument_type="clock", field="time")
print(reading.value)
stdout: 10:51
